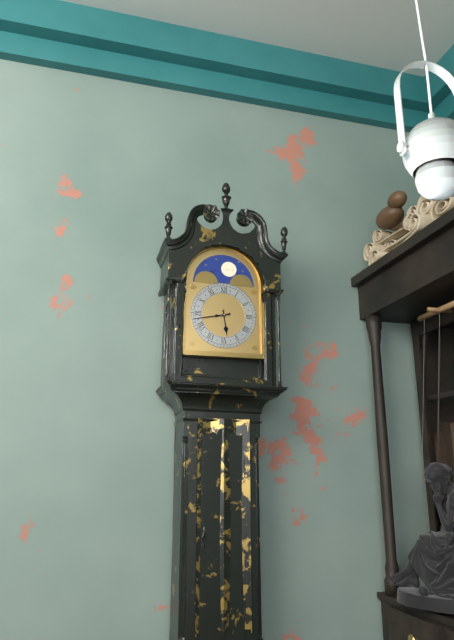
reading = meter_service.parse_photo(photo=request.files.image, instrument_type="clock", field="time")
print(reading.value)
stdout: 5:43
